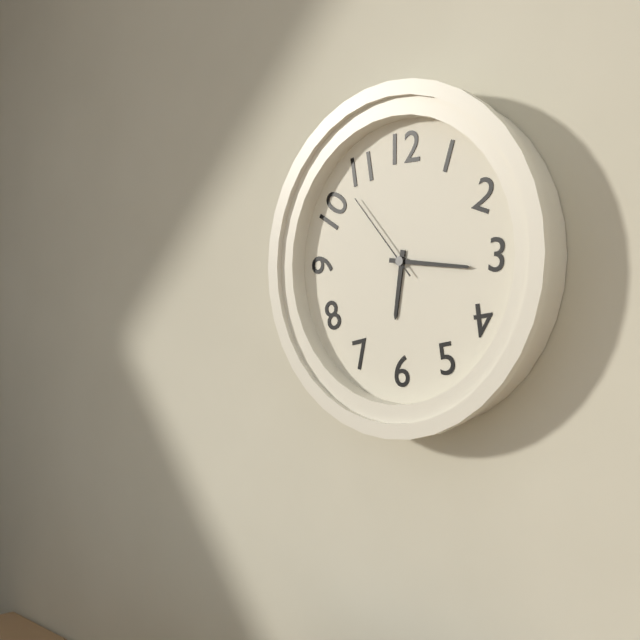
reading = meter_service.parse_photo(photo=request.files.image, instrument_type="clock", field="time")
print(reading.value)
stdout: 6:16:53
